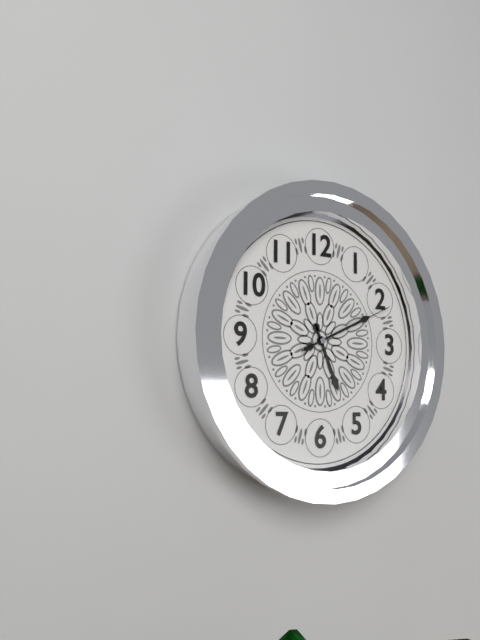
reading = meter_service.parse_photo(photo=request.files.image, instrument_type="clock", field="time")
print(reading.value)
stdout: 5:11:11
